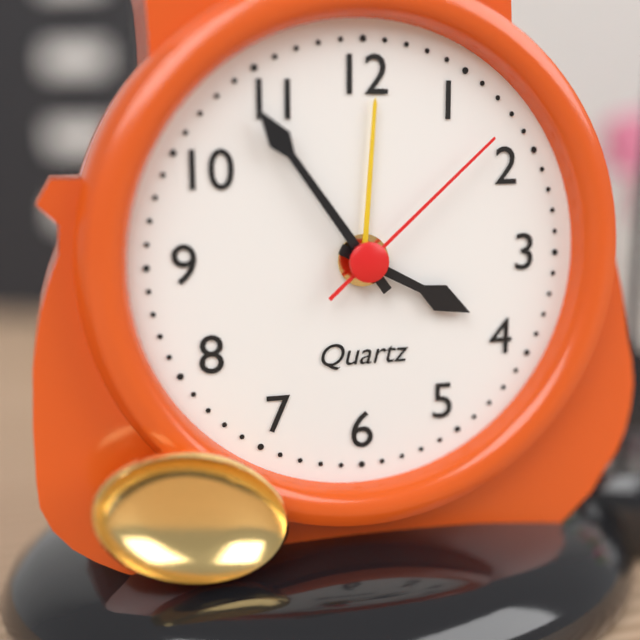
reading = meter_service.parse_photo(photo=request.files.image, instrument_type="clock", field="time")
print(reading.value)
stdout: 3:54:08
